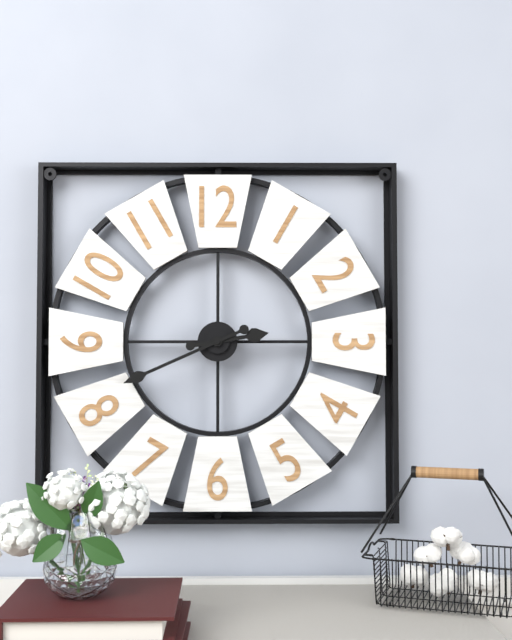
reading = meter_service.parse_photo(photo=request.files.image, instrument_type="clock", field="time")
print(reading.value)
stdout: 2:41
